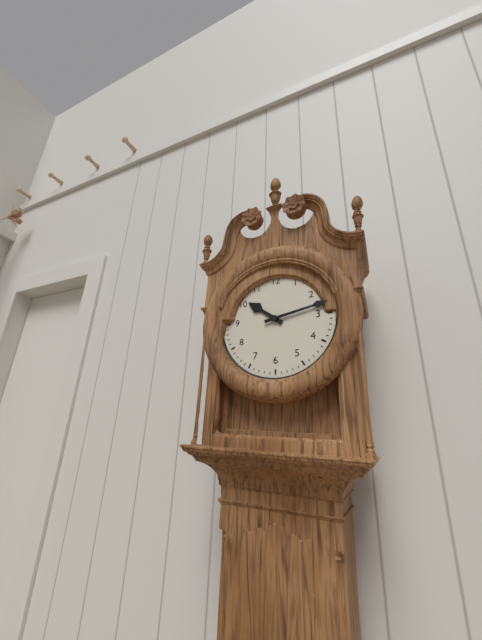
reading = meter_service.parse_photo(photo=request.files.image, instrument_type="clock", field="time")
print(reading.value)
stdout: 10:13
